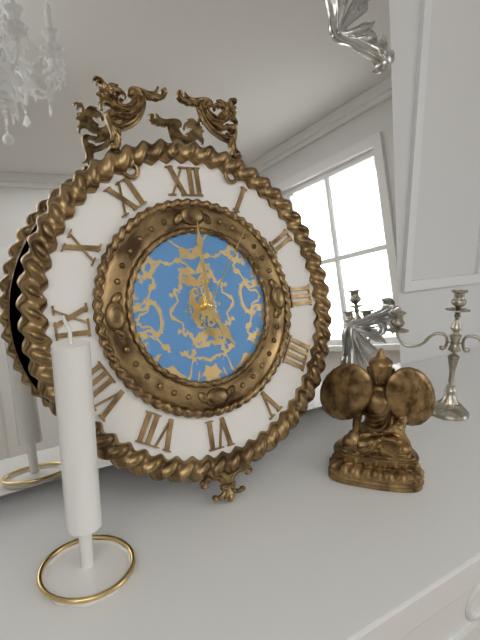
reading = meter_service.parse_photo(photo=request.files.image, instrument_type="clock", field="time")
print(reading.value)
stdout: 5:00:06
